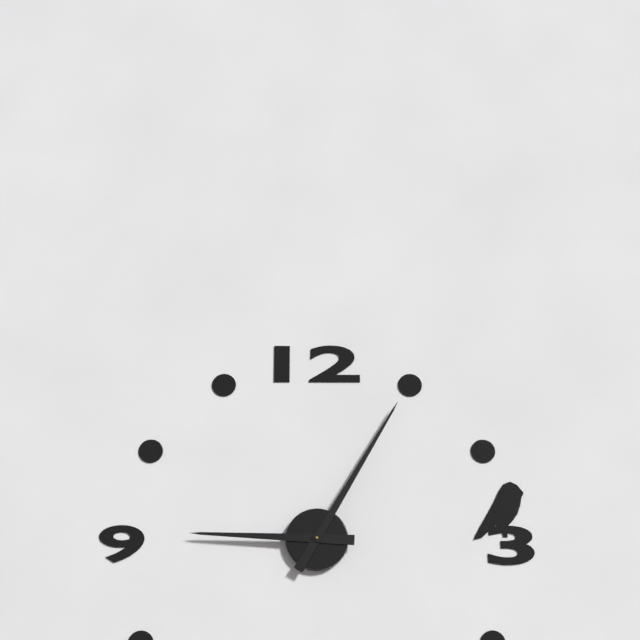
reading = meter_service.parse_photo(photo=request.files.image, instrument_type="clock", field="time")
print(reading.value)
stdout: 9:05
